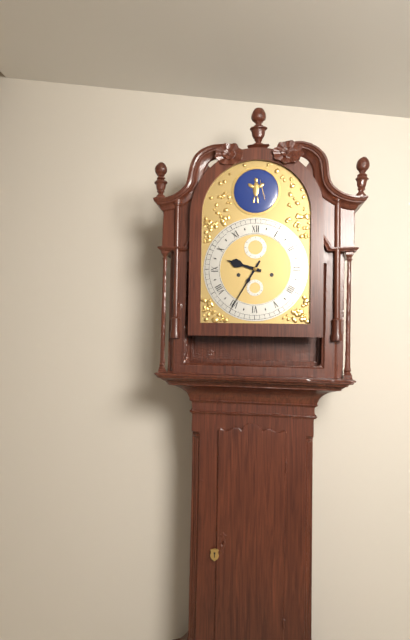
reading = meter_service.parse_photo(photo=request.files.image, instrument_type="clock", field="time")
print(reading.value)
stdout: 9:35
